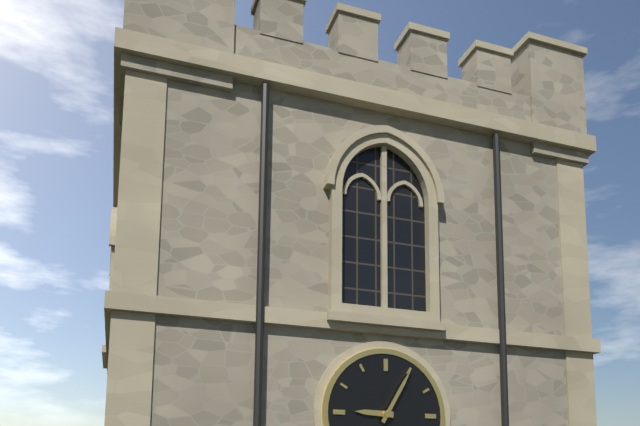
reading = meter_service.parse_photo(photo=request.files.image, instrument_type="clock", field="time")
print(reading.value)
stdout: 9:05
